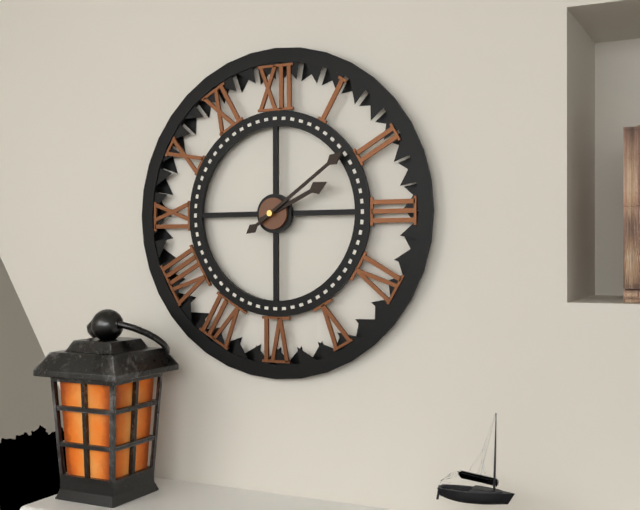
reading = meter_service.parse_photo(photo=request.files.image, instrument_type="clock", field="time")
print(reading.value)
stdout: 2:09
